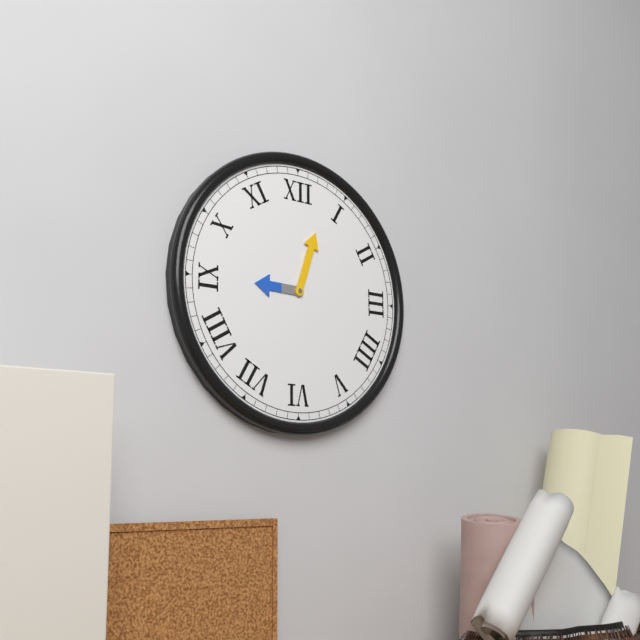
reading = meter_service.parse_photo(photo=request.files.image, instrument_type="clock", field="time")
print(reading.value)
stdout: 9:03
